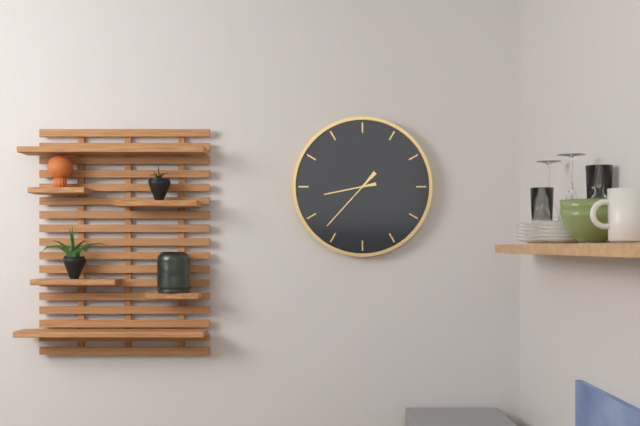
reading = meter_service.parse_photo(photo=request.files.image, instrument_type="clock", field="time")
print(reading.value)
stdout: 8:37
